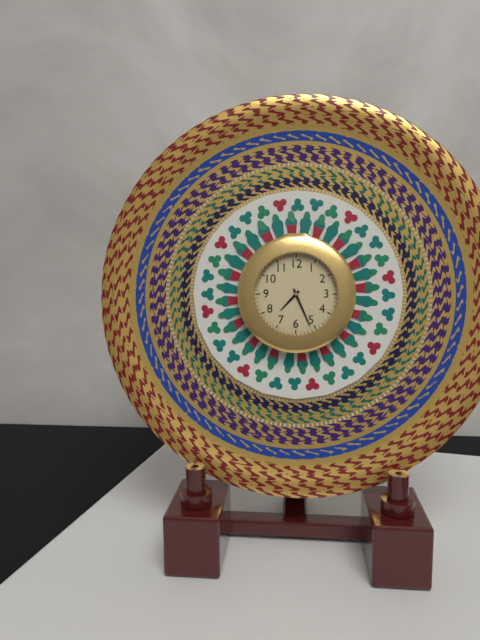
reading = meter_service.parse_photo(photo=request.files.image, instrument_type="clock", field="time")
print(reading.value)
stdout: 7:26
